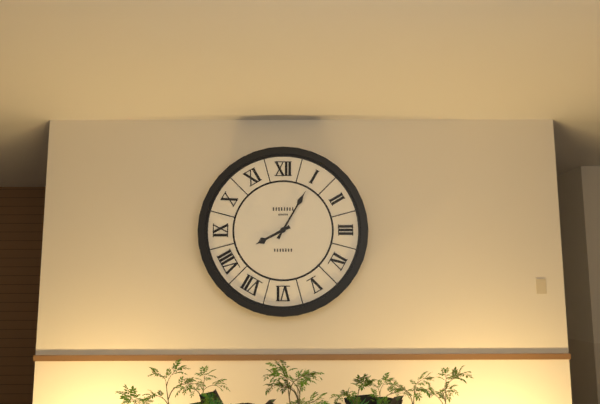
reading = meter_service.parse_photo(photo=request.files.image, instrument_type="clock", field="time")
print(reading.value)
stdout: 8:05
